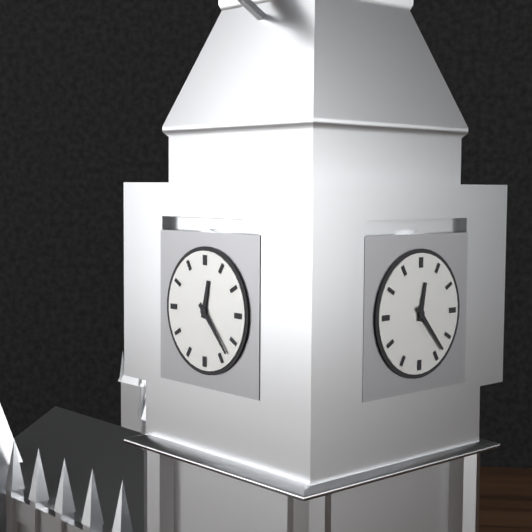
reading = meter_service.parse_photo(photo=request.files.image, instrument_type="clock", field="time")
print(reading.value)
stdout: 12:23
